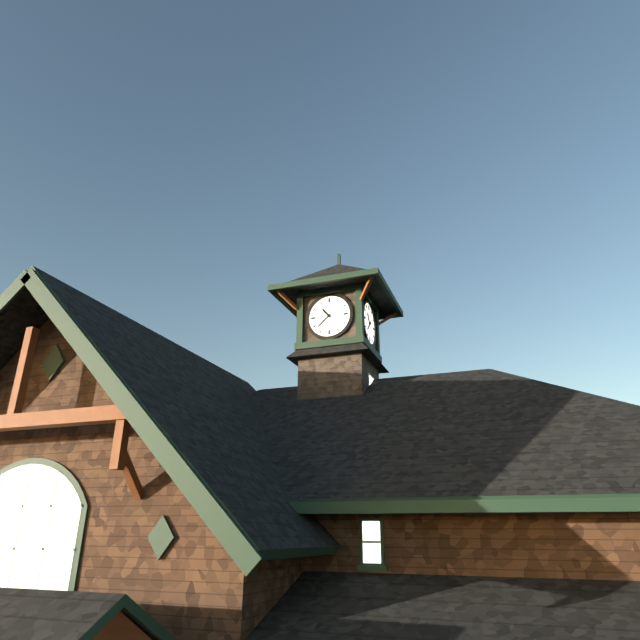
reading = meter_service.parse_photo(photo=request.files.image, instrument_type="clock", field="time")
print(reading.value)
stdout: 10:38
